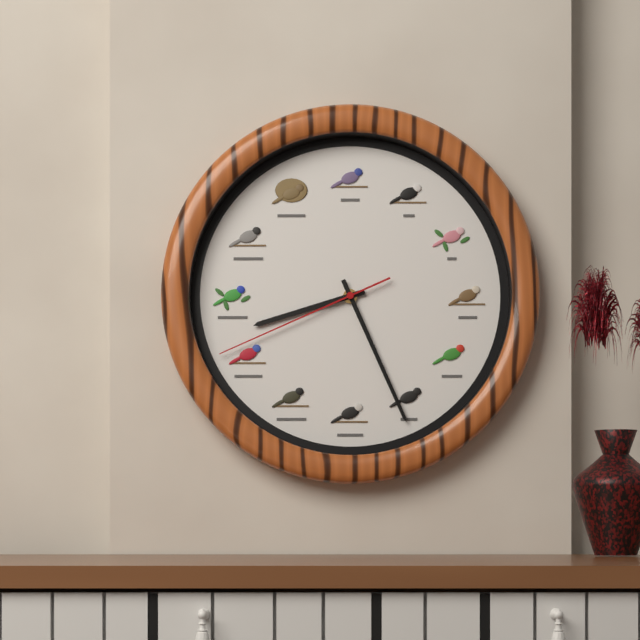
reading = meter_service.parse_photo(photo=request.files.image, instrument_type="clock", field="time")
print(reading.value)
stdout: 8:26:41
